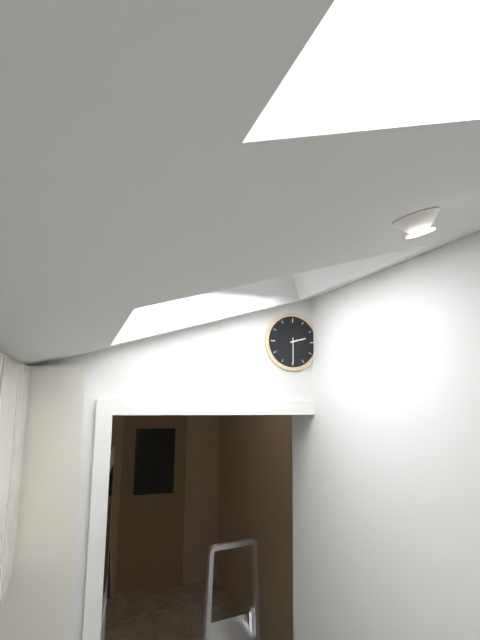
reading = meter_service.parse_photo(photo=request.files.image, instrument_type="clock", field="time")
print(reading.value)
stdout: 2:30
